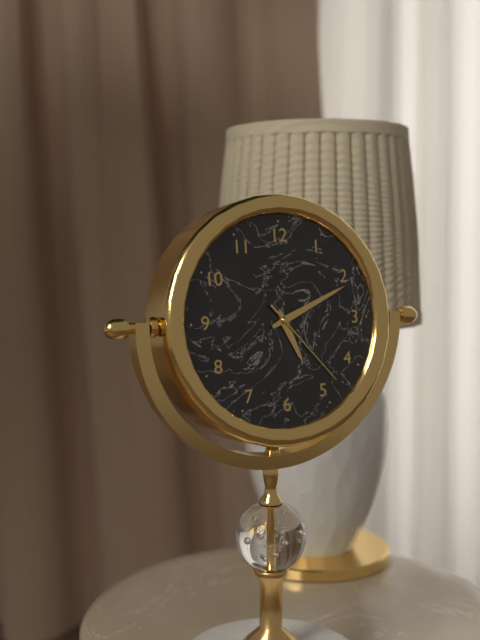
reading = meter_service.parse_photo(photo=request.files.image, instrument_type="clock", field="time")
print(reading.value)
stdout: 5:11:23
